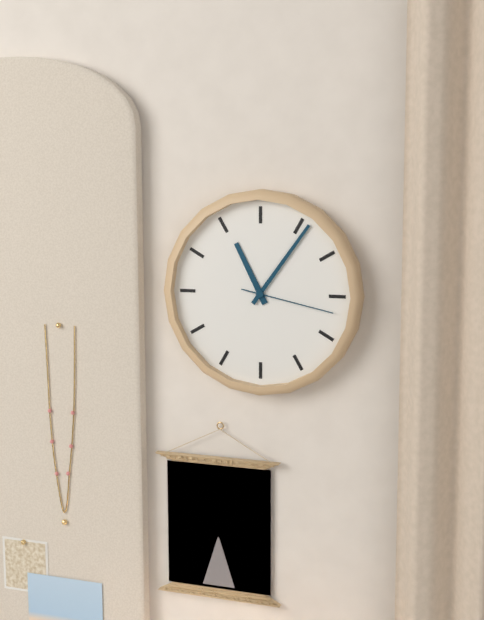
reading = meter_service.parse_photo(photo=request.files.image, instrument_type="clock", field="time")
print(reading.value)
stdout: 11:06:17
